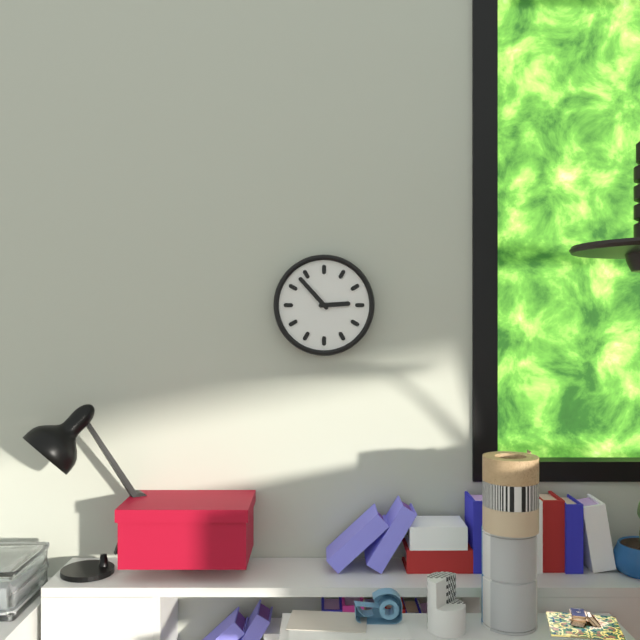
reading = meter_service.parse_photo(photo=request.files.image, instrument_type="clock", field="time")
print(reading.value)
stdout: 2:53
